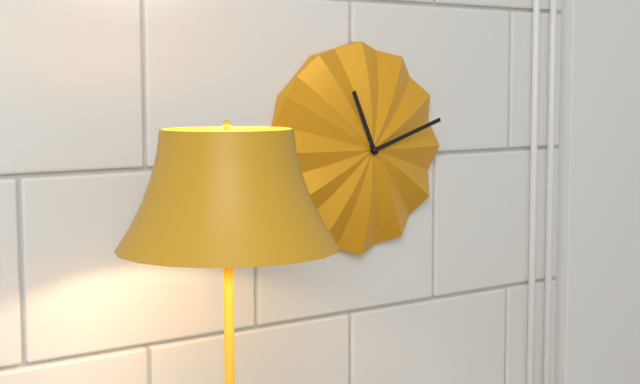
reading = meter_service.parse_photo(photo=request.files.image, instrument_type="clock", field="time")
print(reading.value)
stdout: 11:12
